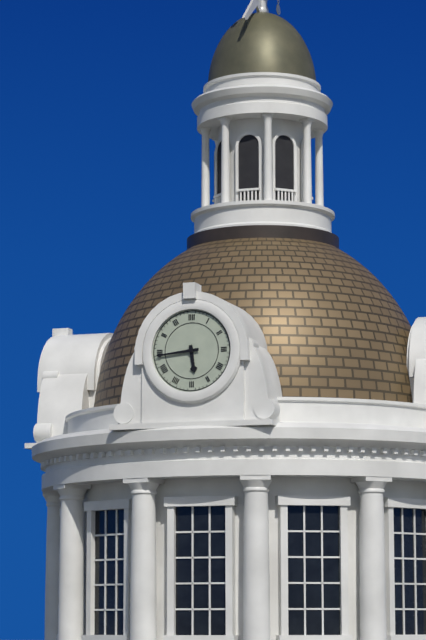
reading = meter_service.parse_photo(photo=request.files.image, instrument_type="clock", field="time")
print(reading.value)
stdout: 5:44
